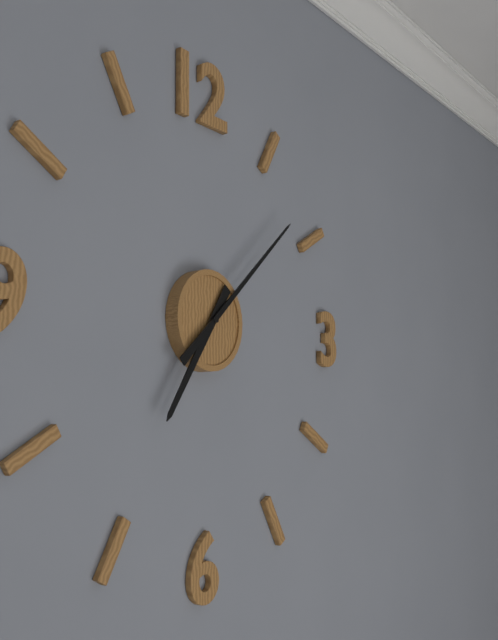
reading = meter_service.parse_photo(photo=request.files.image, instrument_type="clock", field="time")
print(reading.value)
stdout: 7:08
